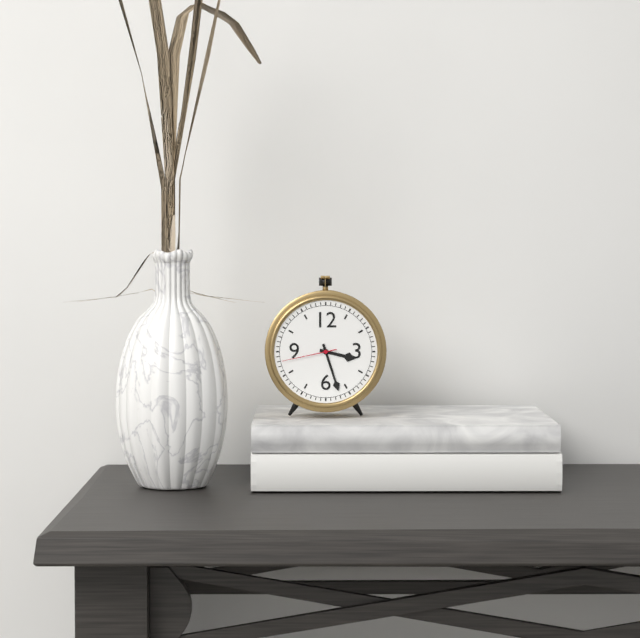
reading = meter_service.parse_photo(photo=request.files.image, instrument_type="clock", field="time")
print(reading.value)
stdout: 3:27:43
